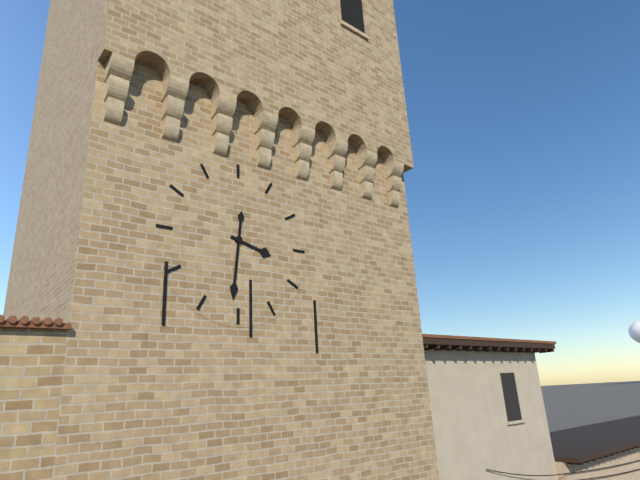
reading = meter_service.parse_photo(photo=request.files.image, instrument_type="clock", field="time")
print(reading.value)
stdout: 3:31
